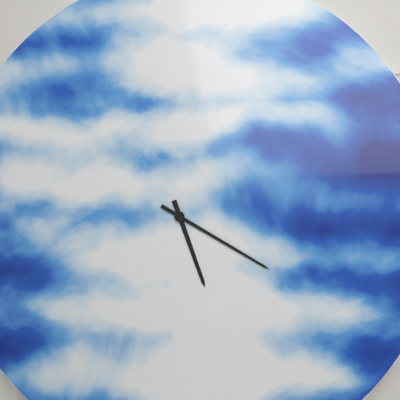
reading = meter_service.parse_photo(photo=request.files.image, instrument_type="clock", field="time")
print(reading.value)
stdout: 5:20
